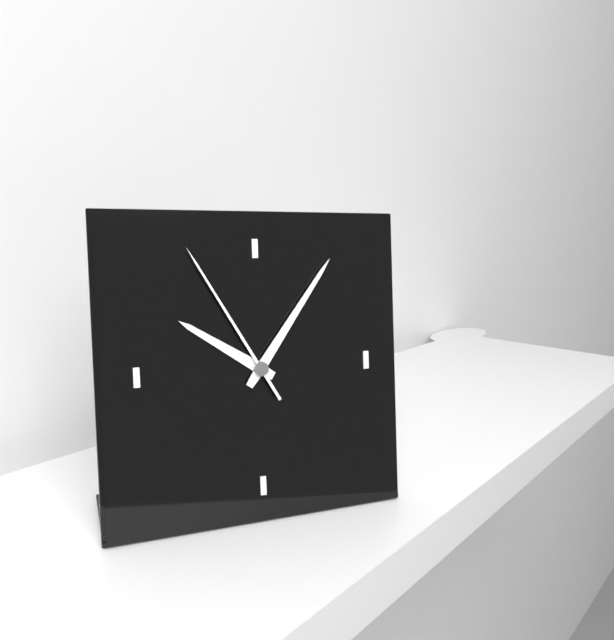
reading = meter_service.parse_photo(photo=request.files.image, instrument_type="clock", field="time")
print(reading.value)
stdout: 10:06:55
